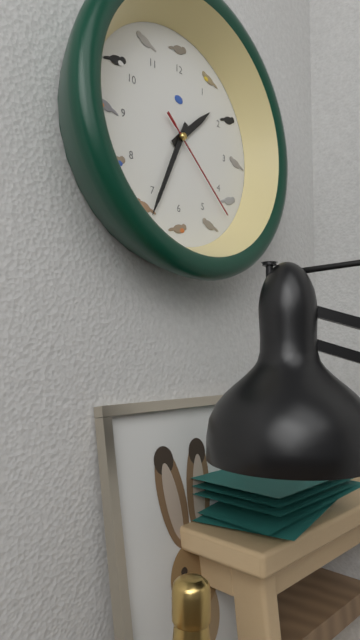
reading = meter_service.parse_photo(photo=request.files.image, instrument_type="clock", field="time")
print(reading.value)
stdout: 1:34:22
